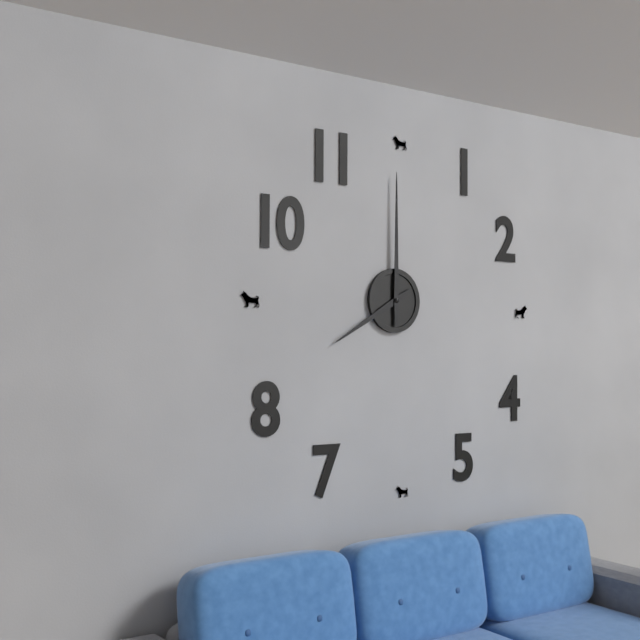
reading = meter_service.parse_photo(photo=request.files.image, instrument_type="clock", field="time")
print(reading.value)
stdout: 8:00
